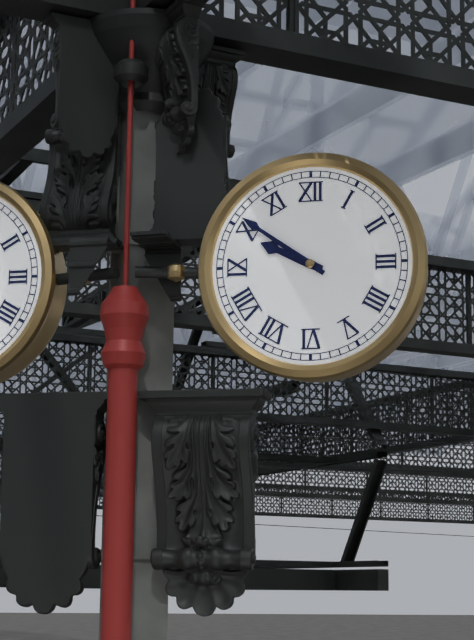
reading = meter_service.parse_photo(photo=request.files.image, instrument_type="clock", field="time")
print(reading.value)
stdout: 9:51
